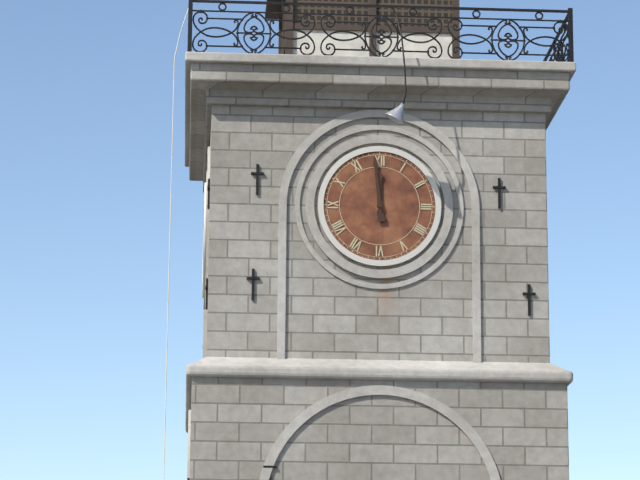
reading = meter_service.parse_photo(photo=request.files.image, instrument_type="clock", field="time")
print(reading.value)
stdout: 11:59
